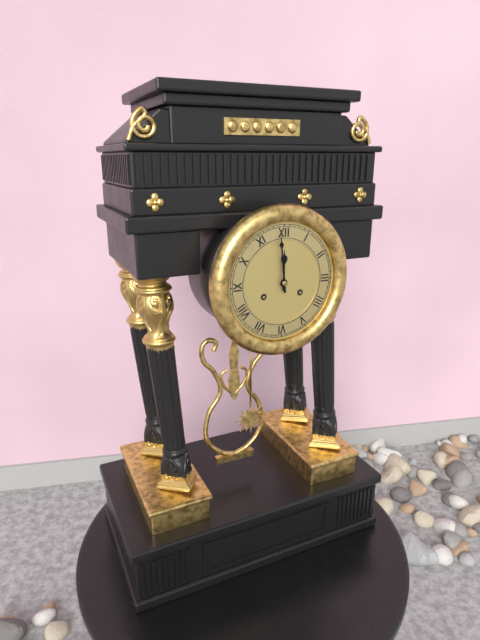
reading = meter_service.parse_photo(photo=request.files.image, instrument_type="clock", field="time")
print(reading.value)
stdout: 11:59
